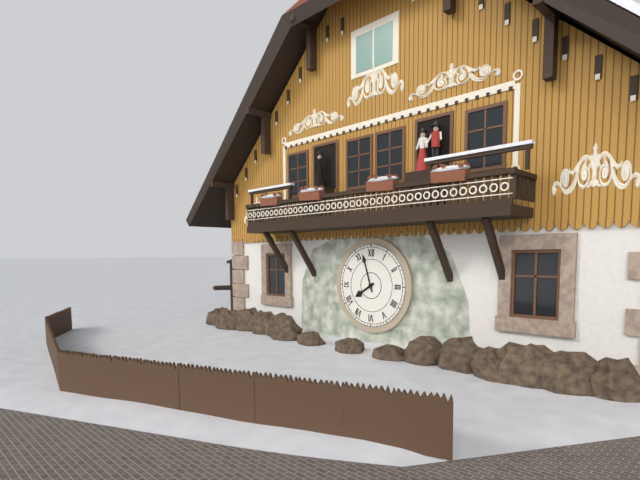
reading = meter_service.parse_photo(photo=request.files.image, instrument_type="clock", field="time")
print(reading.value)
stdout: 7:57
